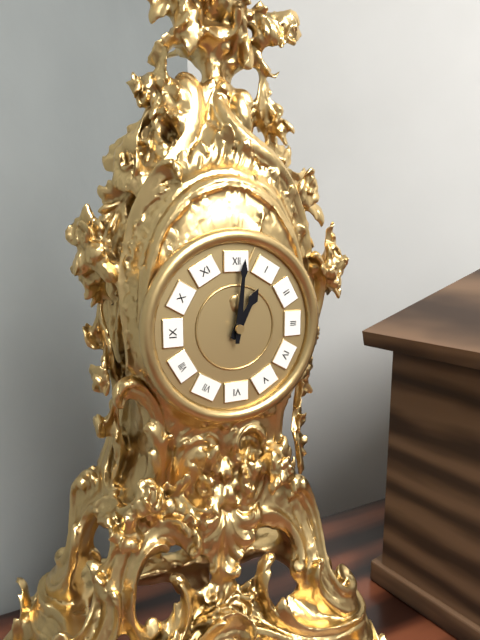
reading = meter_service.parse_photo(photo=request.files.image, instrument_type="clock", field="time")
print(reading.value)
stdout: 1:01
